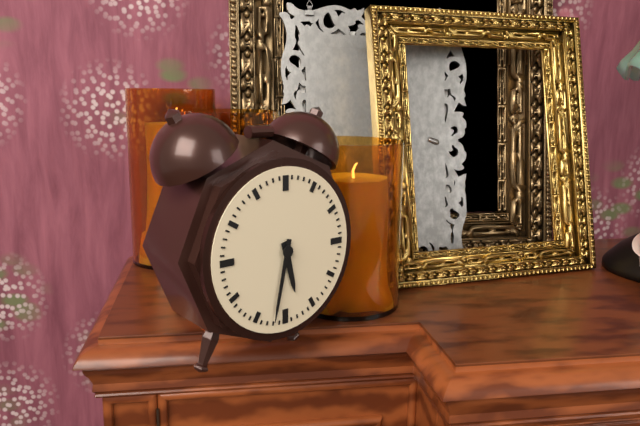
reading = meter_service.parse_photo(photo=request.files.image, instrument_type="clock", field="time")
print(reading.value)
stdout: 5:32
